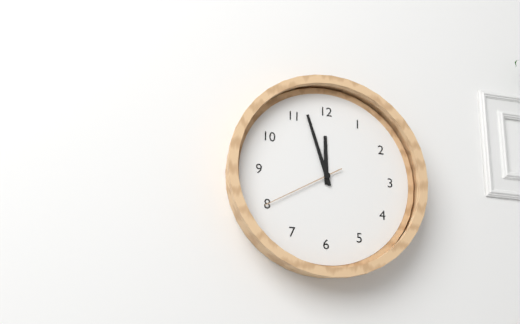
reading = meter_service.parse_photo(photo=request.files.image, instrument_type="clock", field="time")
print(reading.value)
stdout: 11:57:40
